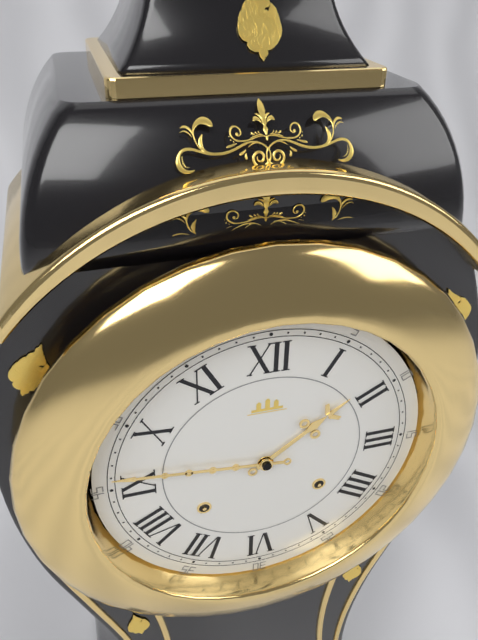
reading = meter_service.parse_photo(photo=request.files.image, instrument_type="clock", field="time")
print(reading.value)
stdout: 1:46
